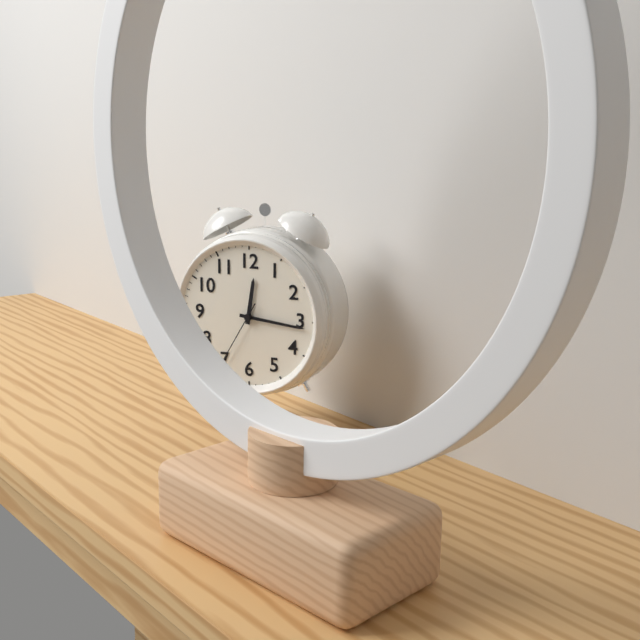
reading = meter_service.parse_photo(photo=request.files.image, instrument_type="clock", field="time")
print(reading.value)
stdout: 12:16:35
